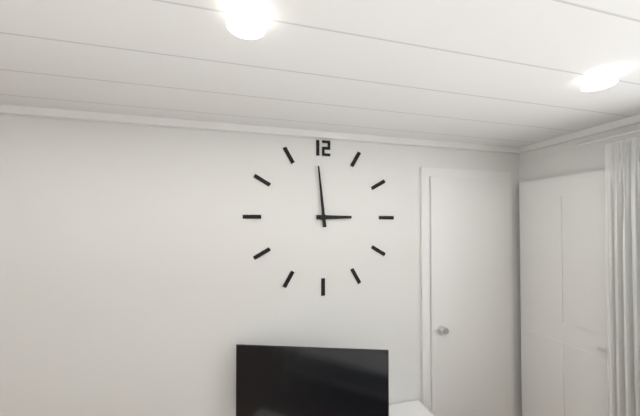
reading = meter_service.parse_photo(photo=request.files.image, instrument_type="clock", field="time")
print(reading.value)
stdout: 2:59
